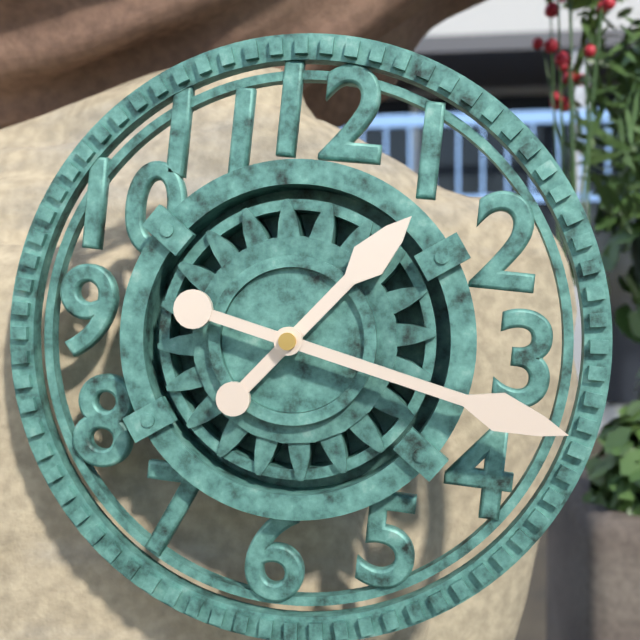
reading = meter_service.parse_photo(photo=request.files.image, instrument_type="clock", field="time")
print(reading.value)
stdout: 1:17
